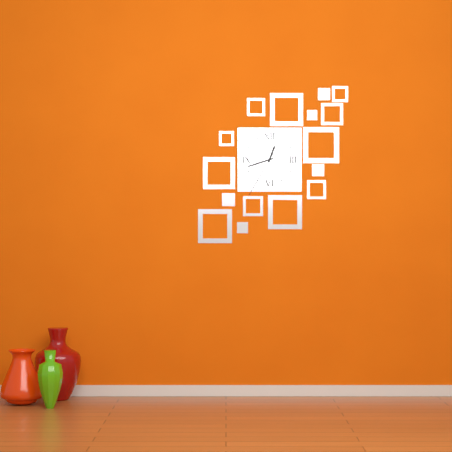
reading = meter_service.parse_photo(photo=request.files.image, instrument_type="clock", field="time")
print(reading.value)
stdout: 12:42:35
